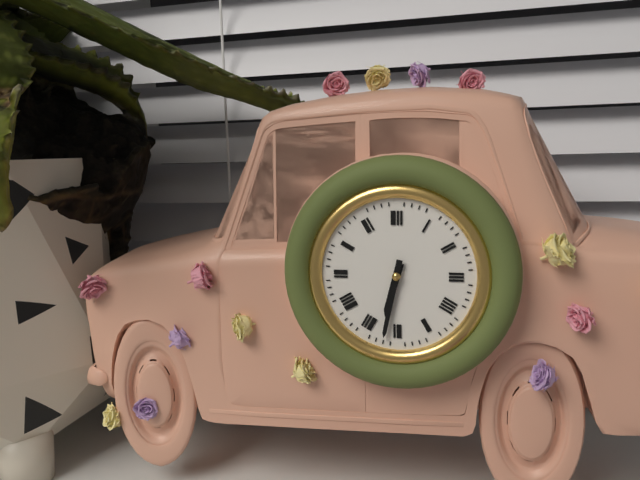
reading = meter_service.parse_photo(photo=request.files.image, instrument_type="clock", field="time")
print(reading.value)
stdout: 6:32
